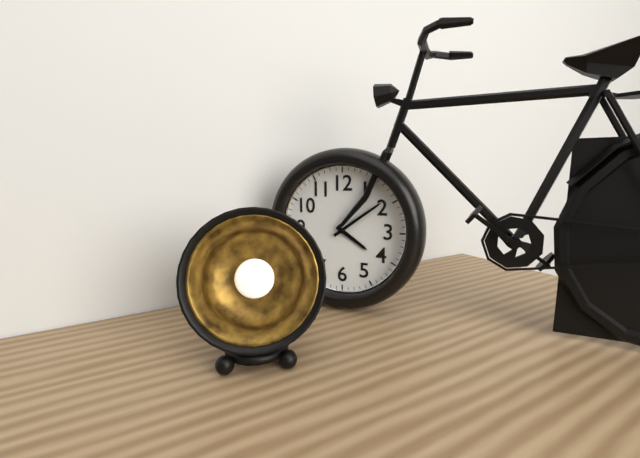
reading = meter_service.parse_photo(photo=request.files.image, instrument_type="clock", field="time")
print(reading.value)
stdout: 4:09
